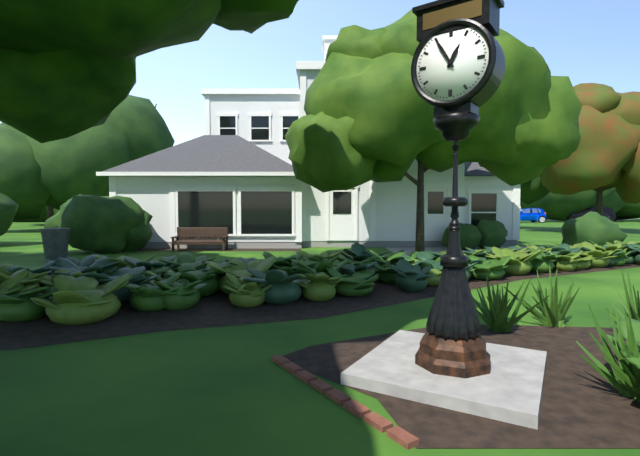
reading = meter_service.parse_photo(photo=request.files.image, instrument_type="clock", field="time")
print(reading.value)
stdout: 12:55
